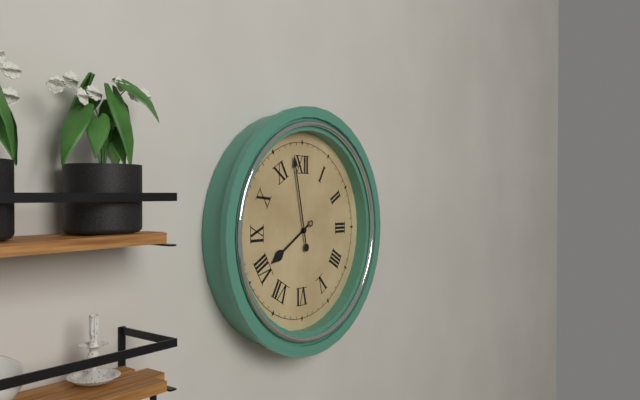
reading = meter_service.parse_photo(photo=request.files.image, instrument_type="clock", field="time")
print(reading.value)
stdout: 7:58
